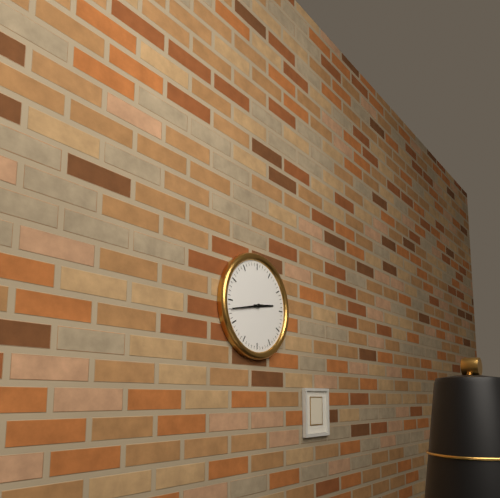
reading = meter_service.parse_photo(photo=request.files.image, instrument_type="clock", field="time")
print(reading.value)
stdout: 2:43
